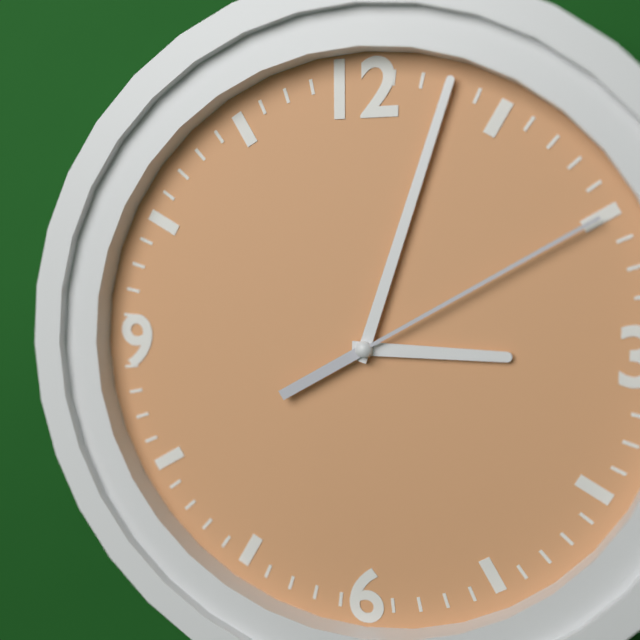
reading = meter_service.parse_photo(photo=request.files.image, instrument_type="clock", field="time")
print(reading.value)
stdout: 3:03:10
